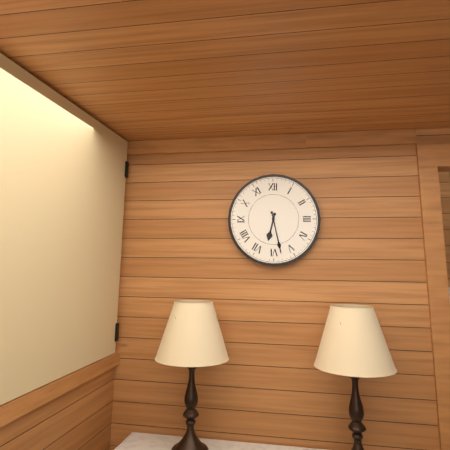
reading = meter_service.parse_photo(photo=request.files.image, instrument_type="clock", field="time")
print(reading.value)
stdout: 6:28
